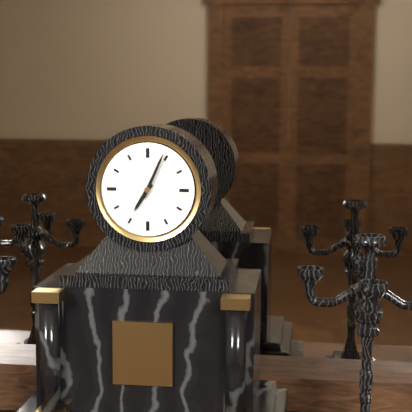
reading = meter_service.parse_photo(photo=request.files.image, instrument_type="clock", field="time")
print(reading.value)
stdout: 7:04
